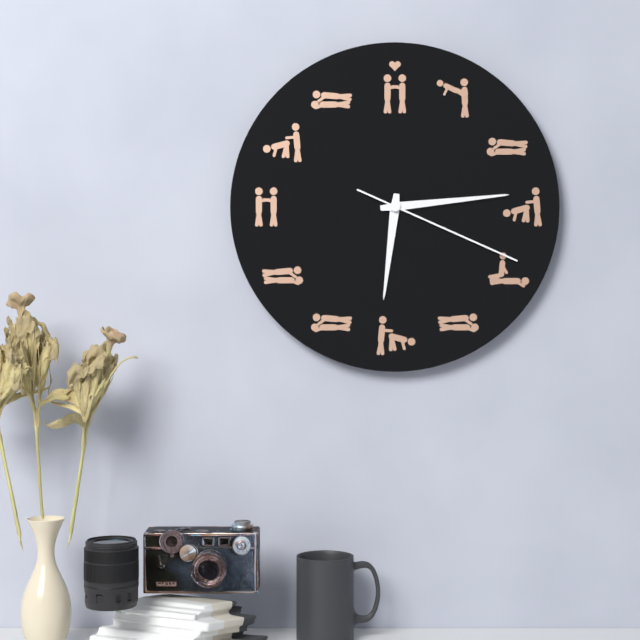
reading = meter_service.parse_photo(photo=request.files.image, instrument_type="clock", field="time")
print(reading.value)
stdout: 6:14:19
